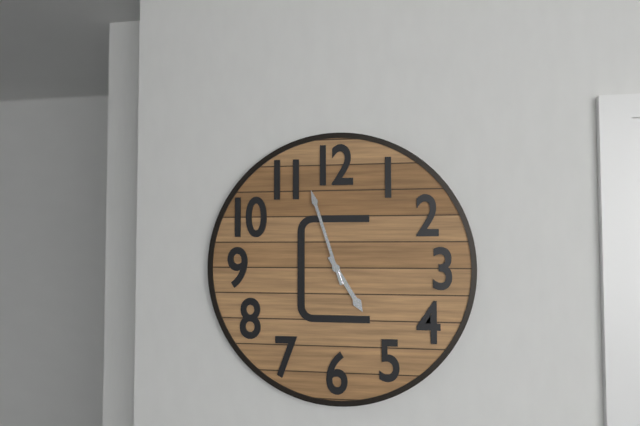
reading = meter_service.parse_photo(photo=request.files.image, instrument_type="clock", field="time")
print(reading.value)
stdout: 4:57
